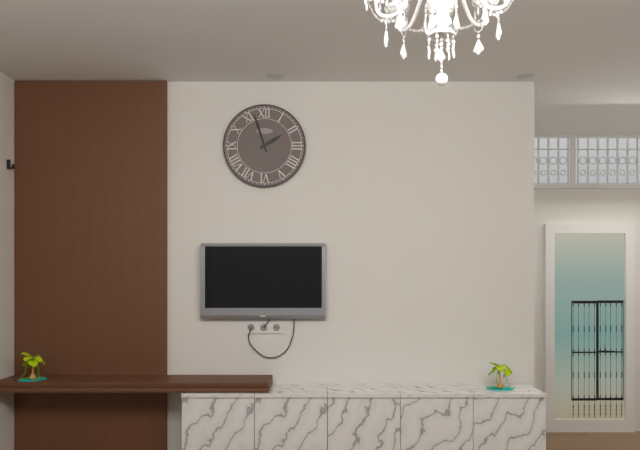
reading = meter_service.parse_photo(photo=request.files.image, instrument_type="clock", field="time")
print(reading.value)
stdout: 1:57
